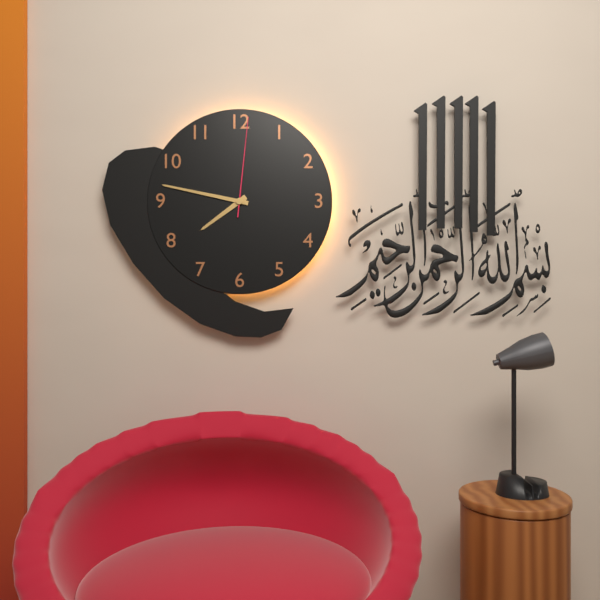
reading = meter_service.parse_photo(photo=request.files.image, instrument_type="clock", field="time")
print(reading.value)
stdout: 7:47:01
